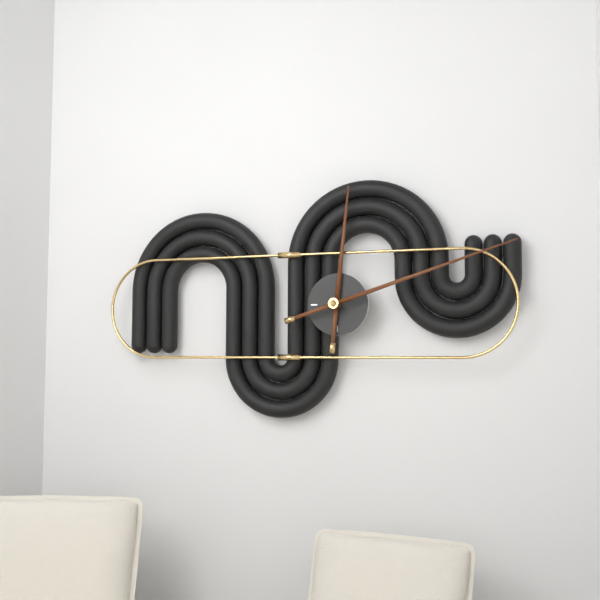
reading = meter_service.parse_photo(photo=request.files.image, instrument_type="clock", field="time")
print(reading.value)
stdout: 12:12
